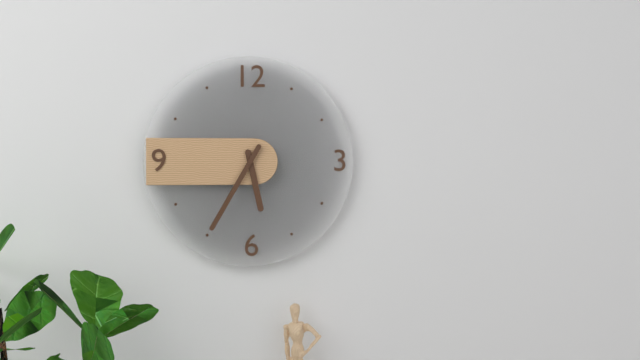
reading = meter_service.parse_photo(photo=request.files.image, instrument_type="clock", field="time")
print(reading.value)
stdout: 5:35
